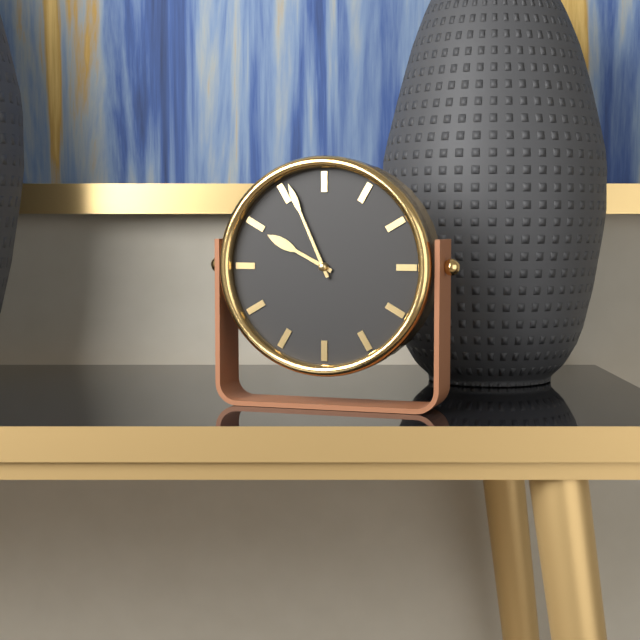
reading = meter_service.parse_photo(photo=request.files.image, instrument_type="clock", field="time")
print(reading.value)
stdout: 9:56
